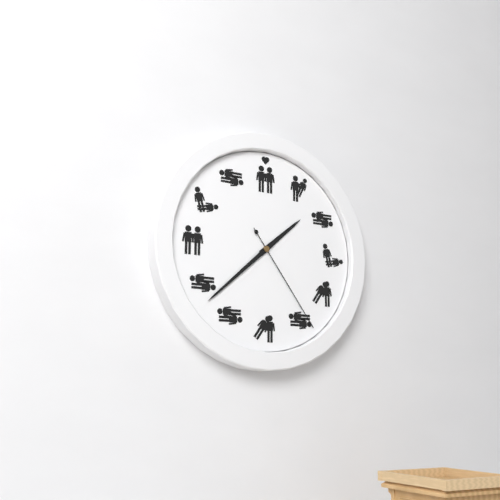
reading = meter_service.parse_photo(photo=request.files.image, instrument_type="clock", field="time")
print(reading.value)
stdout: 1:38:24
